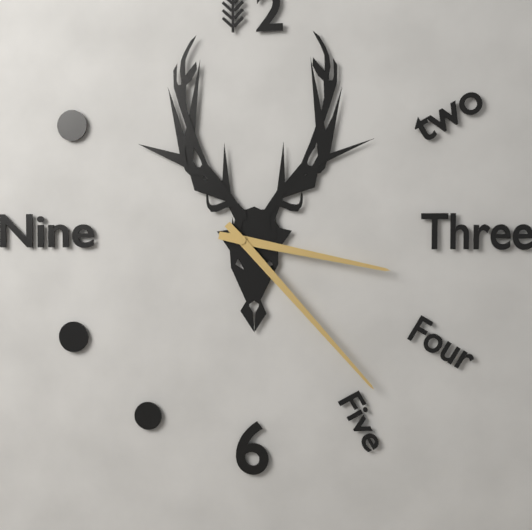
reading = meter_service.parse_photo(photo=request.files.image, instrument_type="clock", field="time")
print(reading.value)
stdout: 3:23
